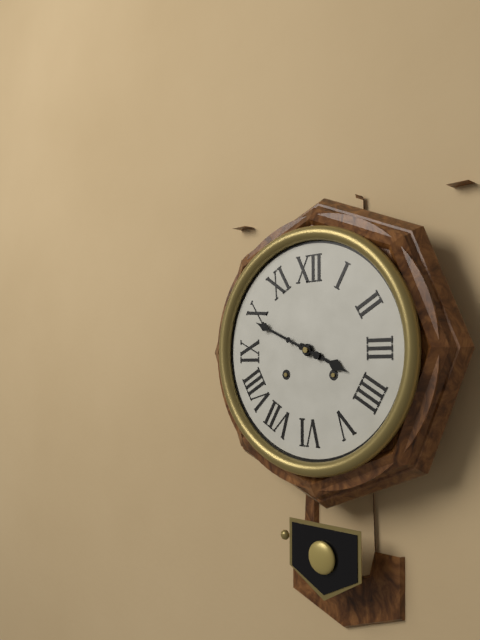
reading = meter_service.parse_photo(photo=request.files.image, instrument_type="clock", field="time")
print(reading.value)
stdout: 3:49
